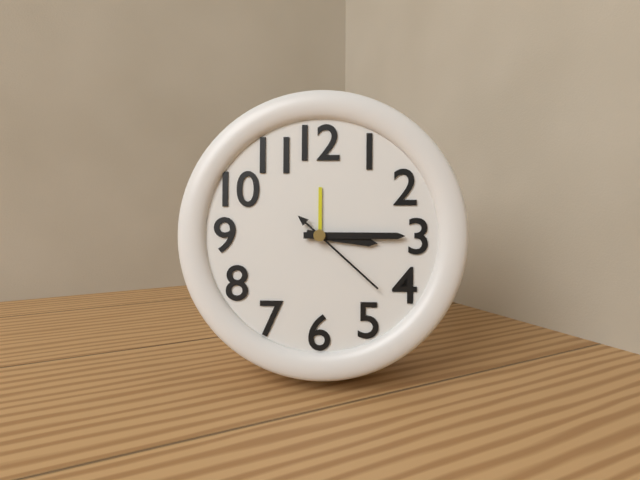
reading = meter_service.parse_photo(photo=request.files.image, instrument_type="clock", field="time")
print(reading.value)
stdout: 3:15:22
